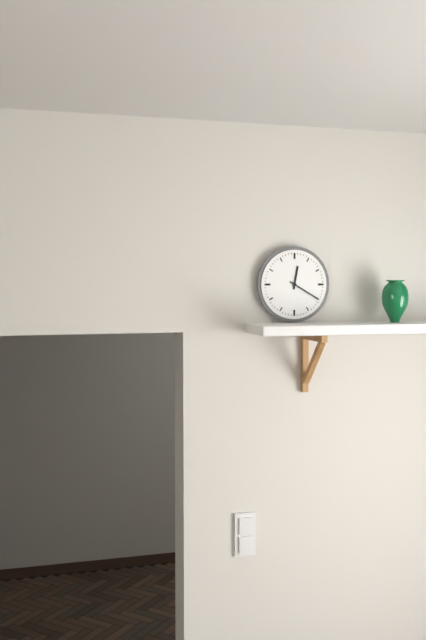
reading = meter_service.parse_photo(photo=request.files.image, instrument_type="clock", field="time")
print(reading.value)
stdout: 12:20
